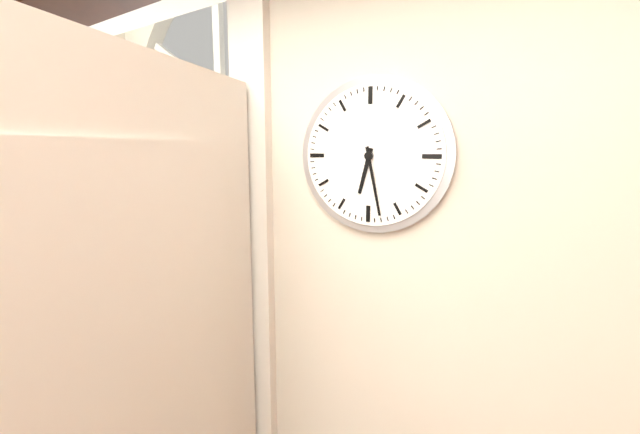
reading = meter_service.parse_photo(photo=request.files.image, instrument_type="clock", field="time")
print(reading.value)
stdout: 6:28
